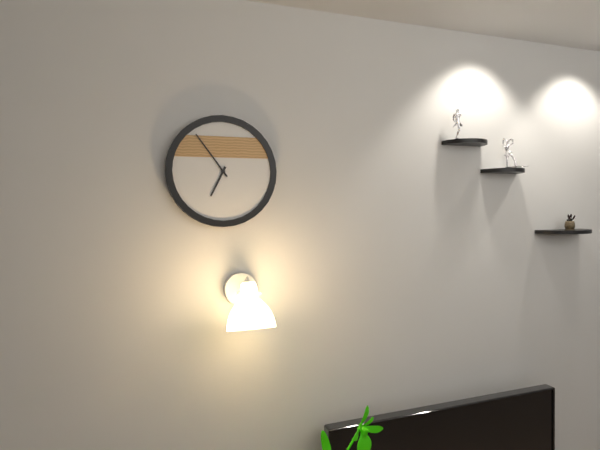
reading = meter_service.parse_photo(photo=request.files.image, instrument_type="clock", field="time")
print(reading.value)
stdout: 6:54
